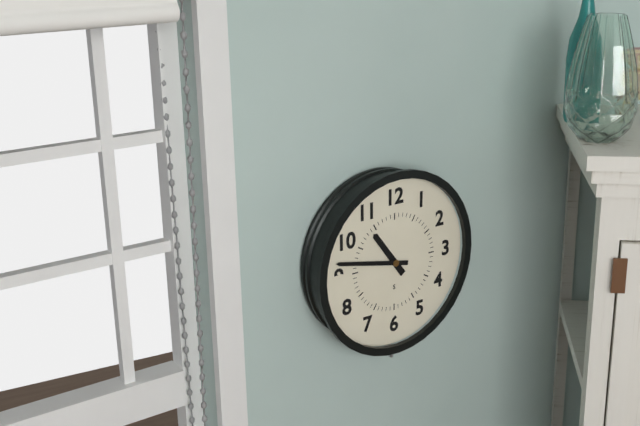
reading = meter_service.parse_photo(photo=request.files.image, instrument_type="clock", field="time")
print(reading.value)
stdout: 10:47
